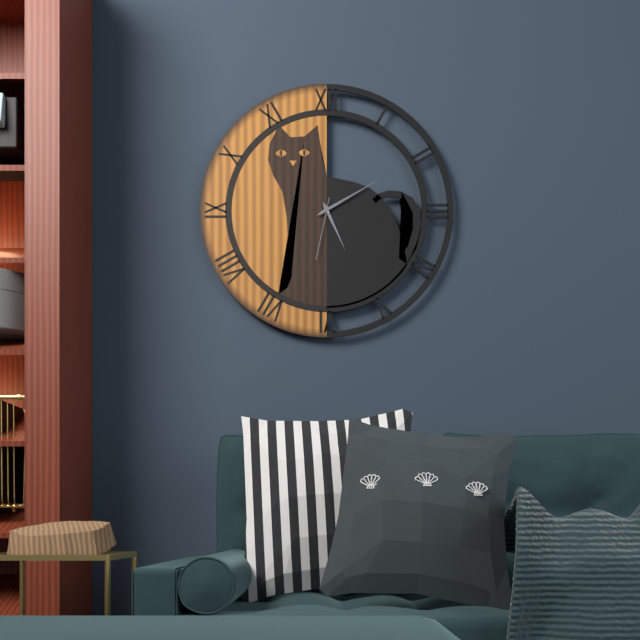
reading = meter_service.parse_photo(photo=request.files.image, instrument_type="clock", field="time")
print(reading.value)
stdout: 5:10:32
